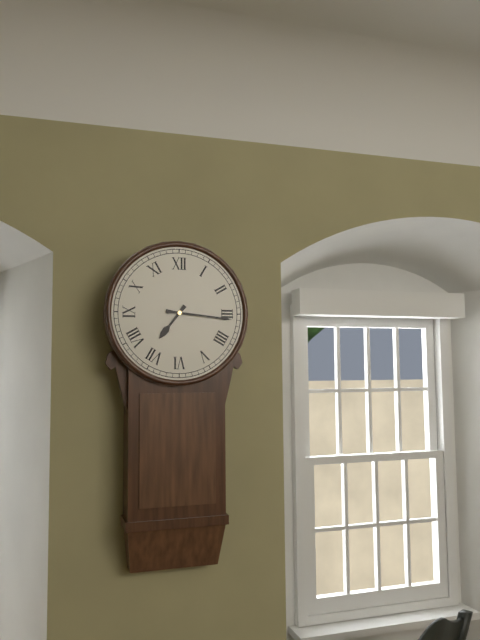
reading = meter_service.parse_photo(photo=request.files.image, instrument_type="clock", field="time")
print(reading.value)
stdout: 7:16
